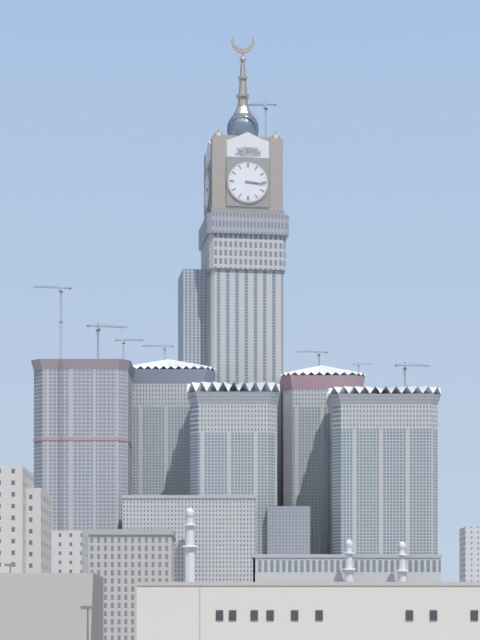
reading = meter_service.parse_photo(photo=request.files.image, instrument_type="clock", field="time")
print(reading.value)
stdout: 3:16
